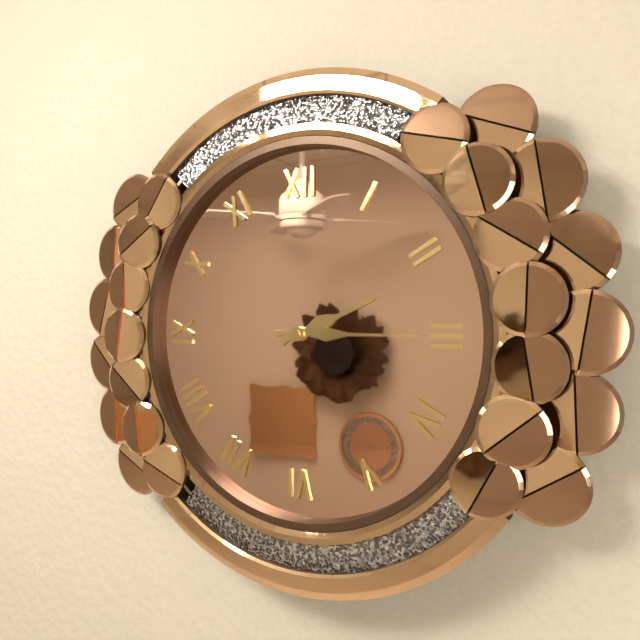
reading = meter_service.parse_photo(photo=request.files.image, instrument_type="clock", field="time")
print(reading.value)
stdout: 2:15
